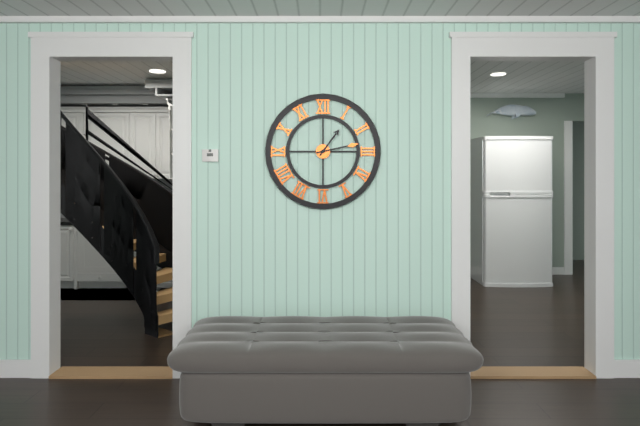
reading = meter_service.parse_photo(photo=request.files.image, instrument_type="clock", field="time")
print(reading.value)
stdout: 1:13
